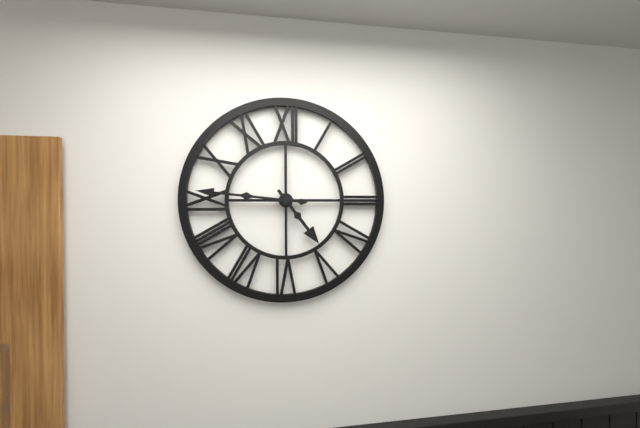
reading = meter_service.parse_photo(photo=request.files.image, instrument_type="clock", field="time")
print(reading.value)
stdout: 4:46
